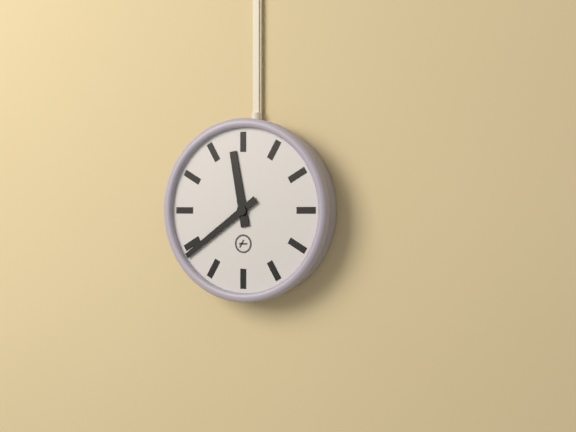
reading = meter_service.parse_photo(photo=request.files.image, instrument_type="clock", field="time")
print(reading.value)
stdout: 11:39
